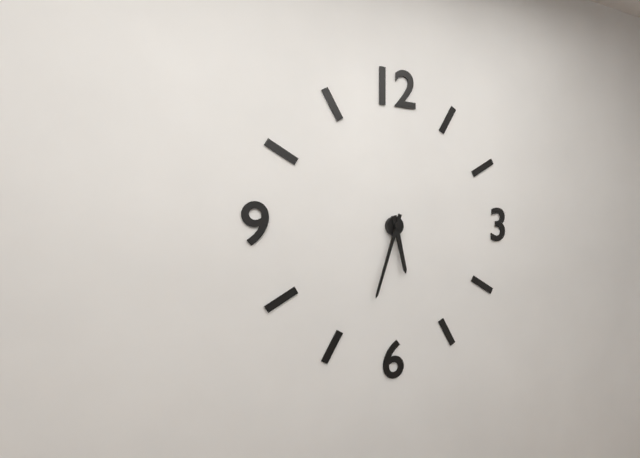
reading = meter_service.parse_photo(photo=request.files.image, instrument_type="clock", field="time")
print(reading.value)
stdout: 5:33
